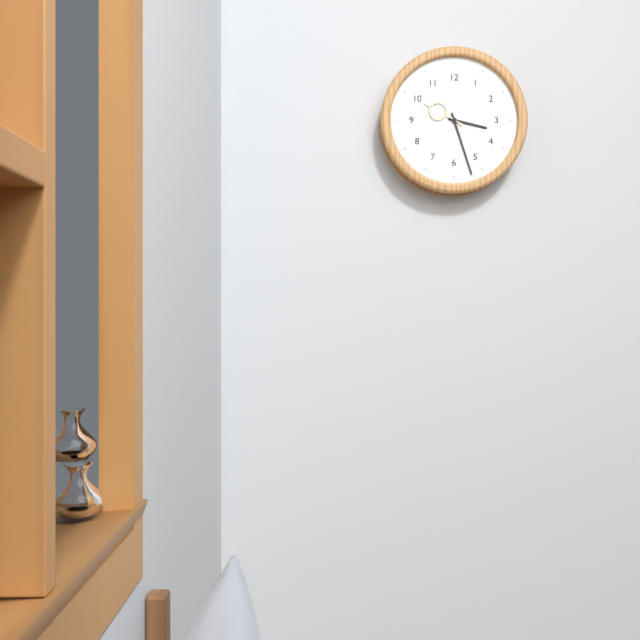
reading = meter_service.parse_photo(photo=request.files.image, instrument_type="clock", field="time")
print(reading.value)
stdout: 3:27
